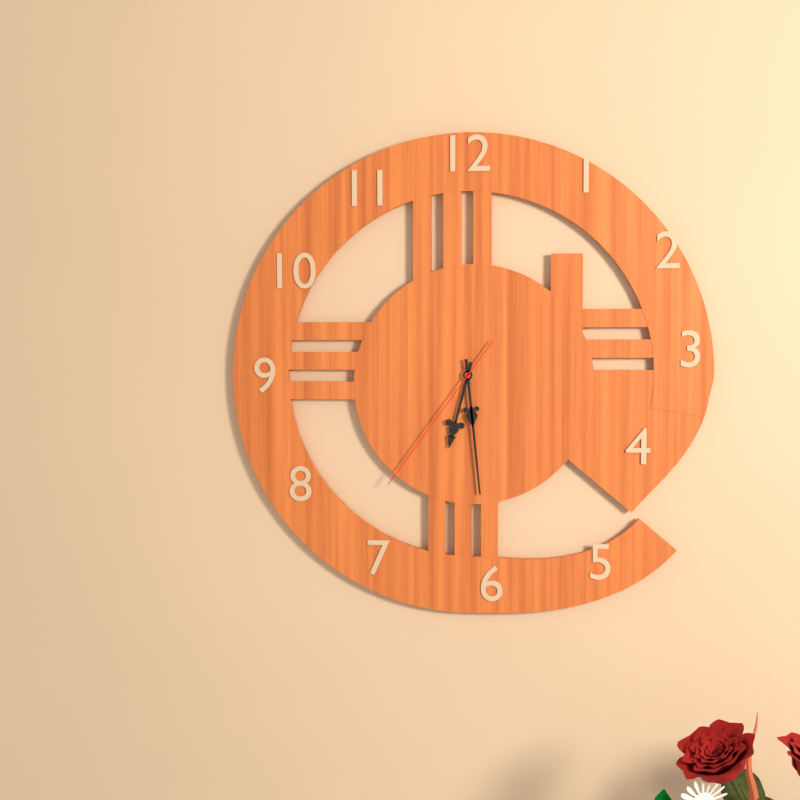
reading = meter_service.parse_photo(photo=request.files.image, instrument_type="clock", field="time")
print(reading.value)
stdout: 6:29:36
